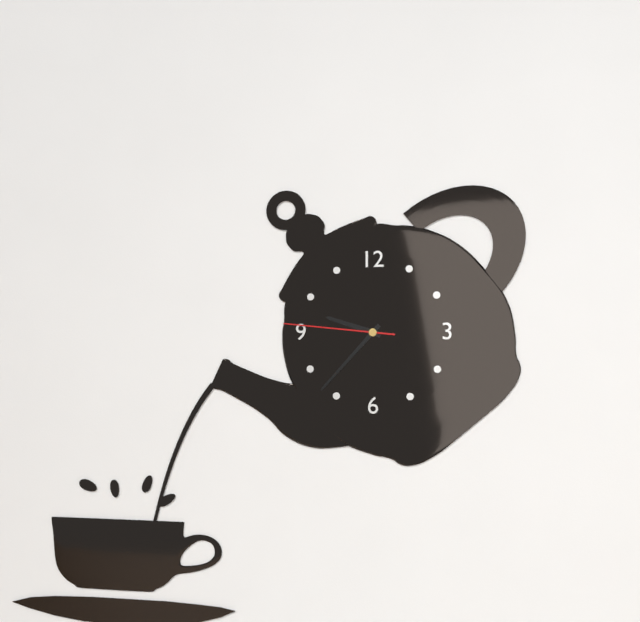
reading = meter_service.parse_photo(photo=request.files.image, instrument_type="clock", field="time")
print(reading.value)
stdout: 9:37:46
